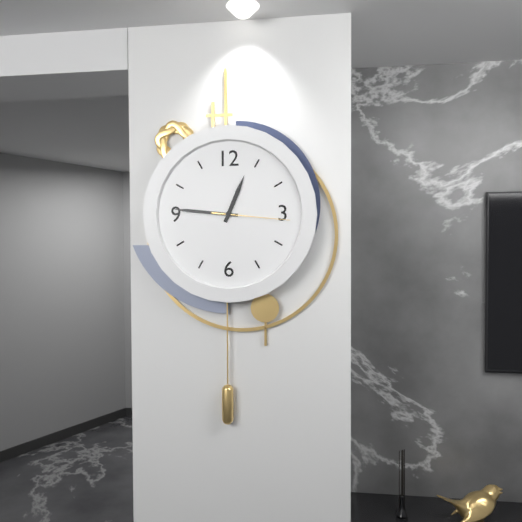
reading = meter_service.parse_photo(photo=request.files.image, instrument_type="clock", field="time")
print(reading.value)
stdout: 12:46:16
